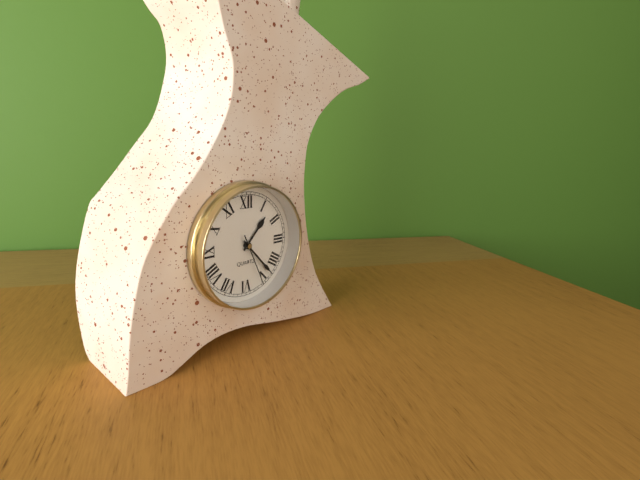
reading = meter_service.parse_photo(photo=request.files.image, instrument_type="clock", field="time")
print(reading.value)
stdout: 1:23:26
